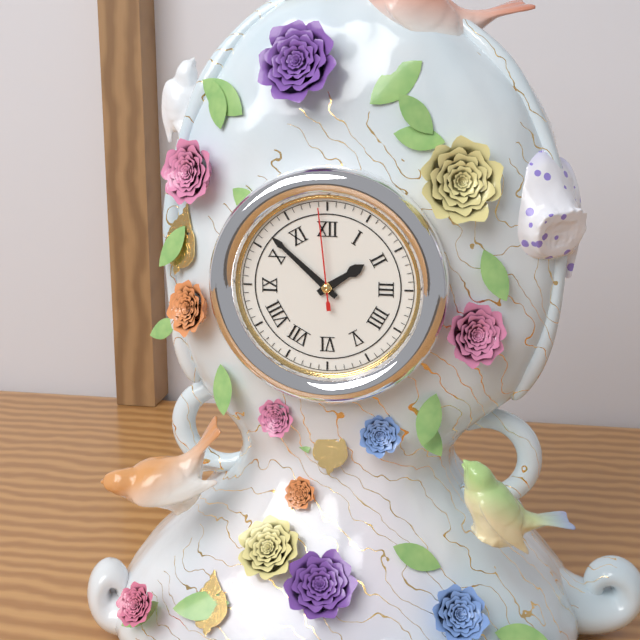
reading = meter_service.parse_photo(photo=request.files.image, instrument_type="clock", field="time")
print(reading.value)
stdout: 1:52:59
